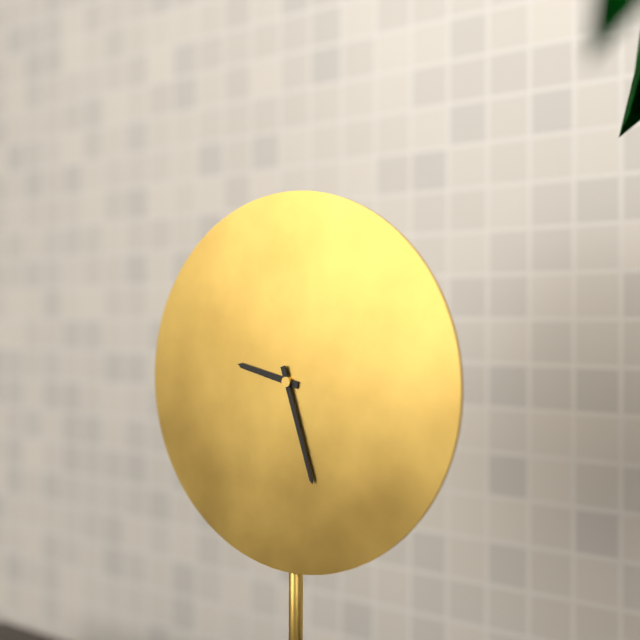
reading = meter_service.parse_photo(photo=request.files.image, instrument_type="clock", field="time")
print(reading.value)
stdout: 9:27
